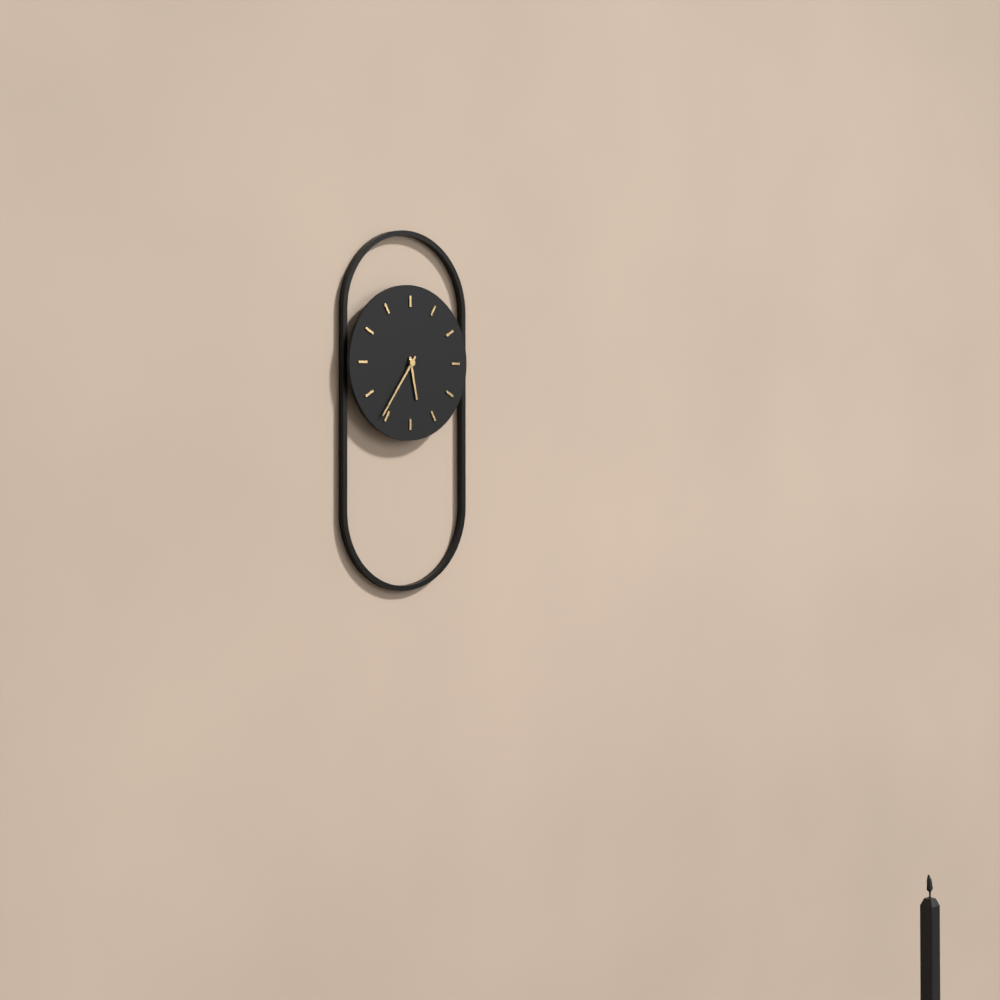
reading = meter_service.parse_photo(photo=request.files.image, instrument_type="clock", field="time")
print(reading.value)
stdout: 5:36
